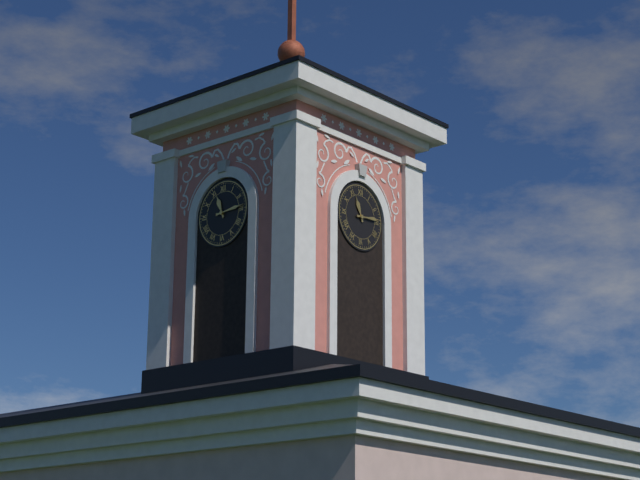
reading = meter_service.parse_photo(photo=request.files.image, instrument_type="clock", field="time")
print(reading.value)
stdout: 11:14
